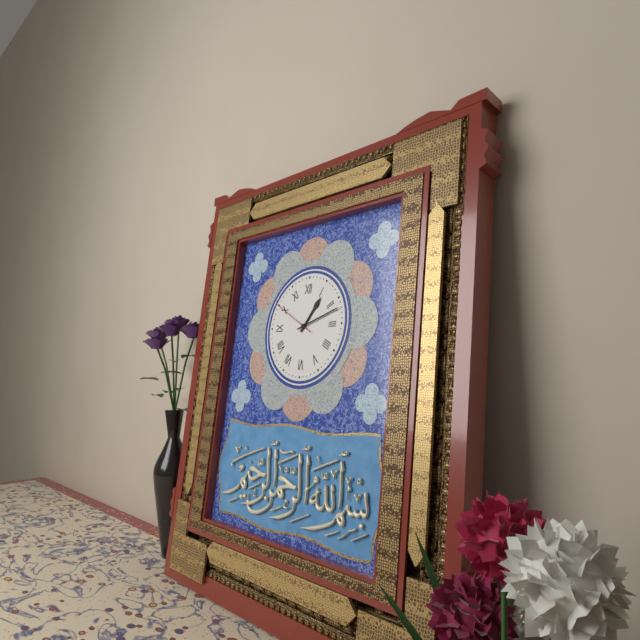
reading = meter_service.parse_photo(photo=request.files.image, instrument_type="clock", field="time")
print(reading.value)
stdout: 1:12
